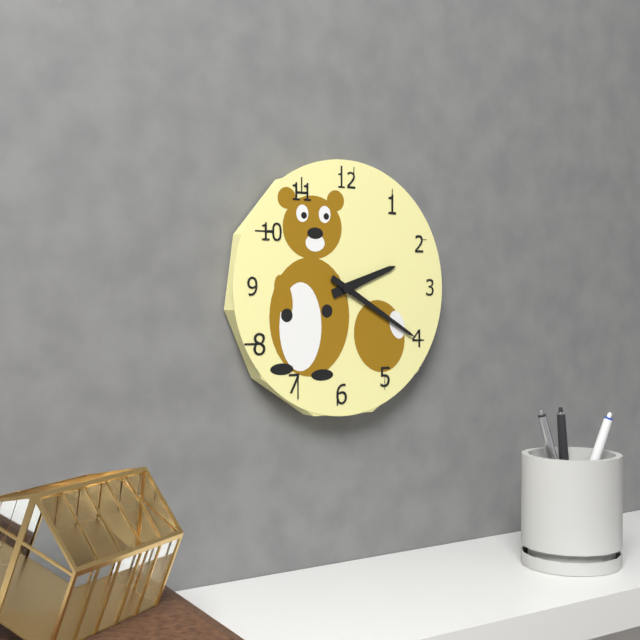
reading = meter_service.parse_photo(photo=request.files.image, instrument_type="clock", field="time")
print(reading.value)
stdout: 2:20
